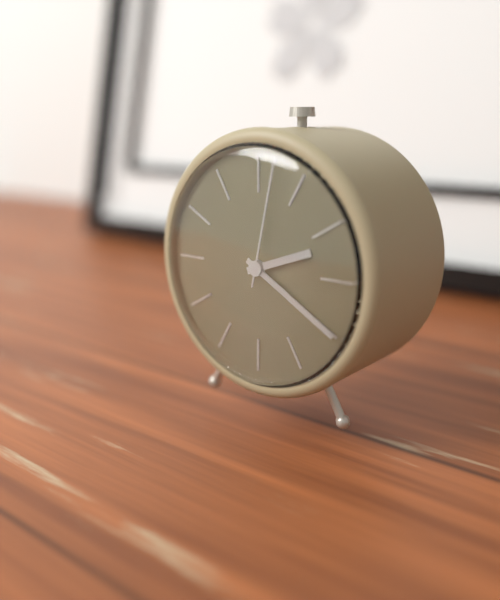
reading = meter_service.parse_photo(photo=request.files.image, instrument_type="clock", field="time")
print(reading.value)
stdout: 2:20:02
